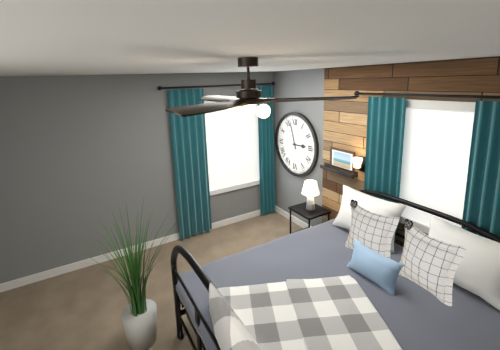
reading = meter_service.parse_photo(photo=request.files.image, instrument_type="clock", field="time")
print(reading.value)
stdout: 2:57
